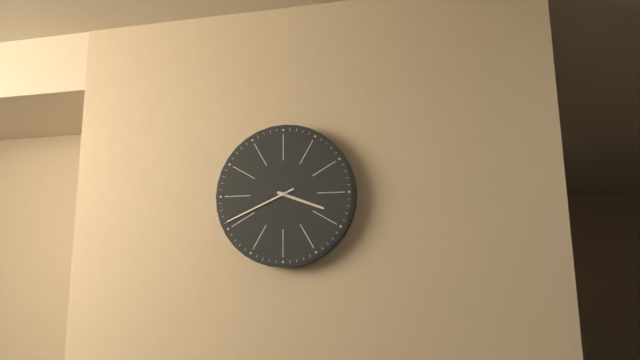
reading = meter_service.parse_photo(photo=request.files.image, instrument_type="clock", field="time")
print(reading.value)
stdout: 3:41
